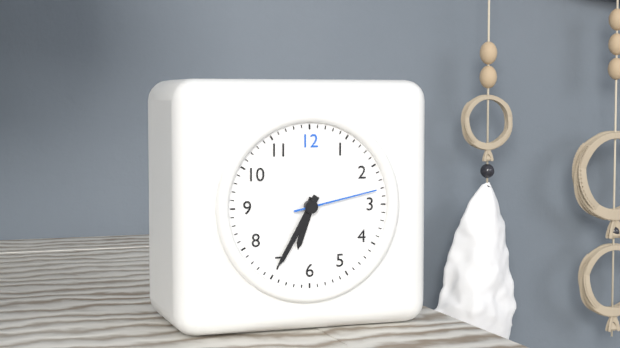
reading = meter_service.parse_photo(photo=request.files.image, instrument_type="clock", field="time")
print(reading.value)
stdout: 6:35:13
